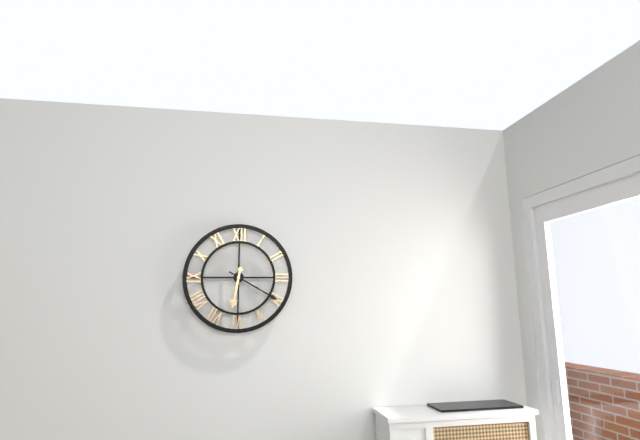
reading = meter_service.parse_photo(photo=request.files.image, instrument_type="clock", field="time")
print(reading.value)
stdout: 6:20
